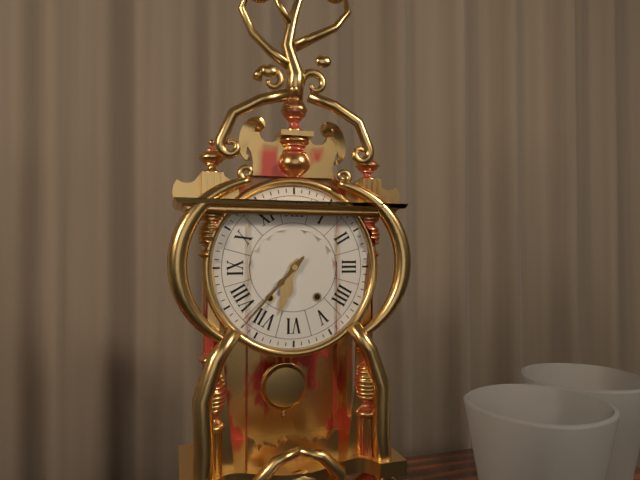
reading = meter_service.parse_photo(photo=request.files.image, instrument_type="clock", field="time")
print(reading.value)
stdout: 6:37
